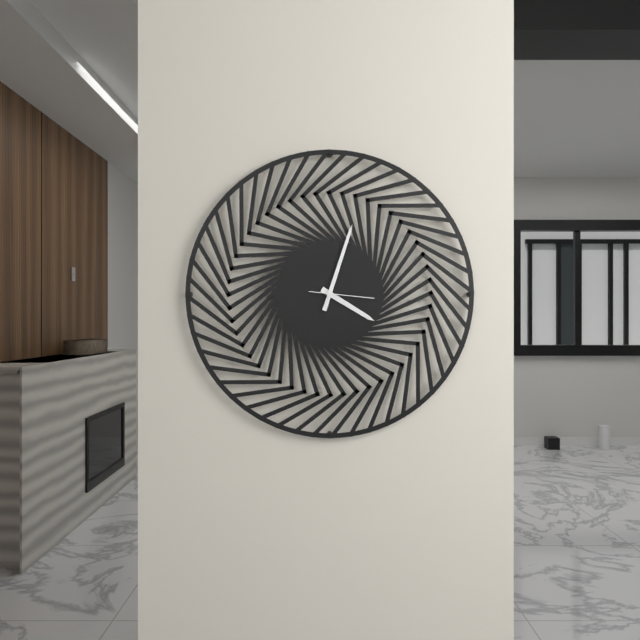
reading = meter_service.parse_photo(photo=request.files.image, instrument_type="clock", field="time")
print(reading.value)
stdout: 4:03:16
